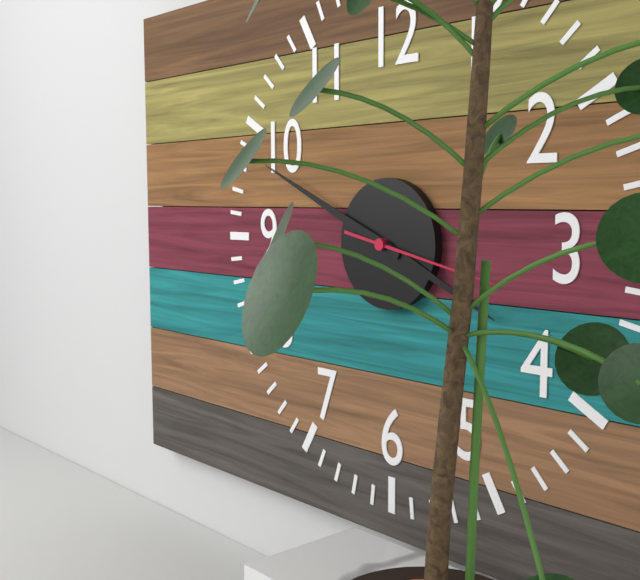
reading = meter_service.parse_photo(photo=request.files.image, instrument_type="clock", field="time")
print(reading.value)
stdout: 3:49:17
